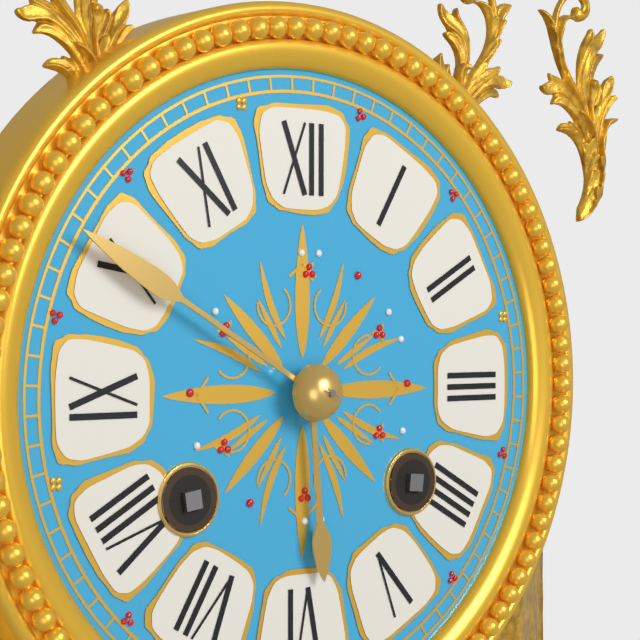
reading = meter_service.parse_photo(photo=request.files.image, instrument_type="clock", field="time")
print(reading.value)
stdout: 5:50
